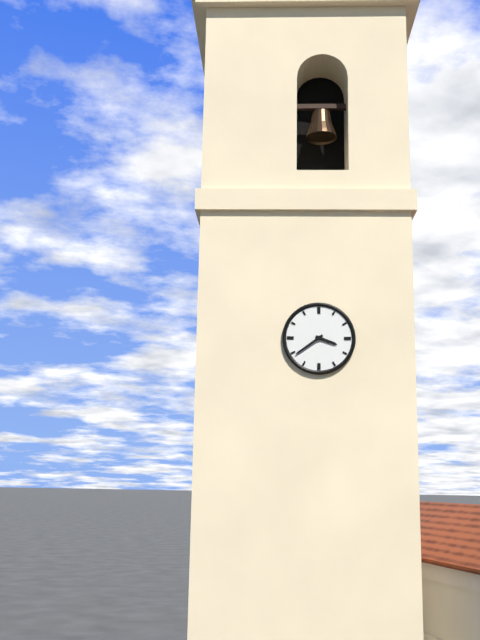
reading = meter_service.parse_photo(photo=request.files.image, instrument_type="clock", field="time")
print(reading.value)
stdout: 3:39
